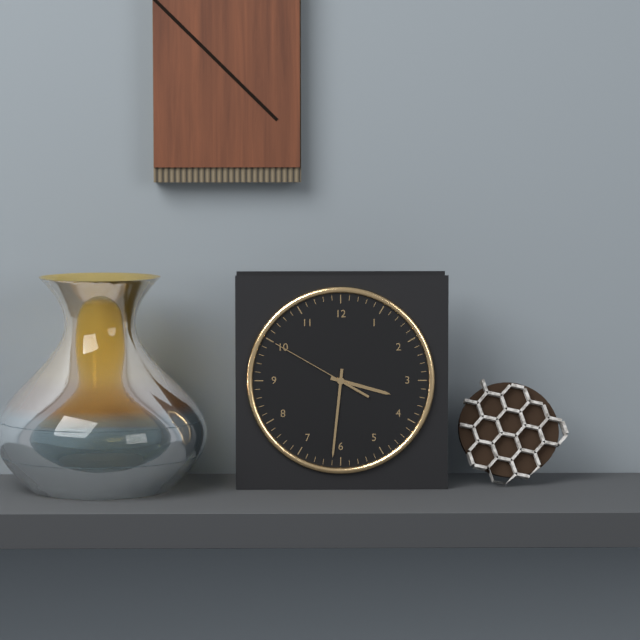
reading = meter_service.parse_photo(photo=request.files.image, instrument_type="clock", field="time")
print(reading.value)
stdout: 3:31:50
